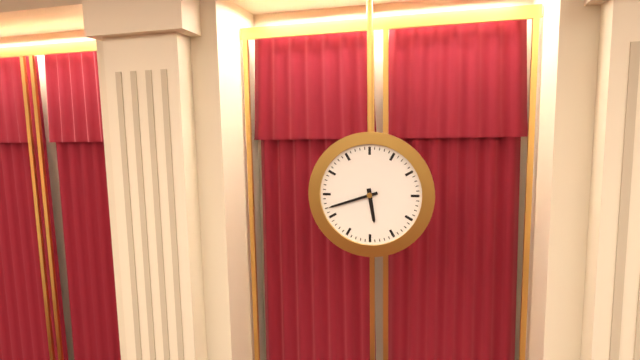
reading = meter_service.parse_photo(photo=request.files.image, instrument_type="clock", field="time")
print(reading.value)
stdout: 5:42
